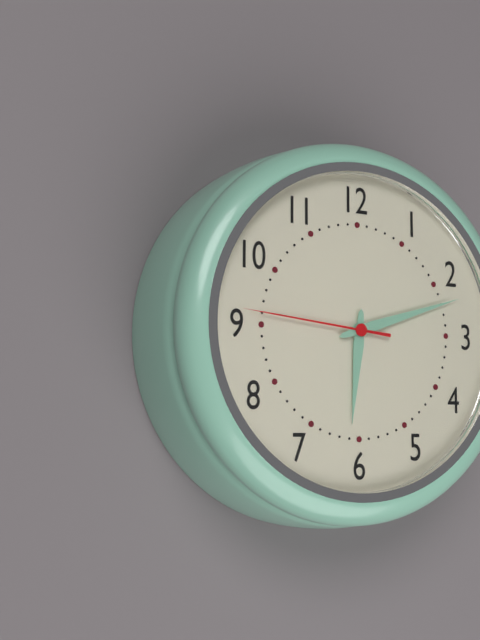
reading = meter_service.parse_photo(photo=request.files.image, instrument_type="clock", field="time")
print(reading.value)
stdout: 6:12:46
